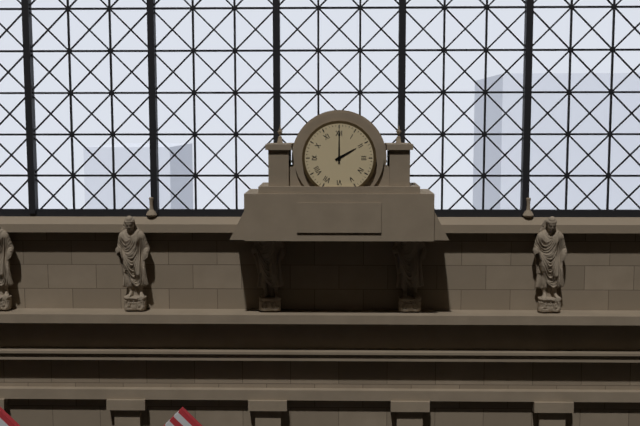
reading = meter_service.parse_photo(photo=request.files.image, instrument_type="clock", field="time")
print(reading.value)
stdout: 2:00
